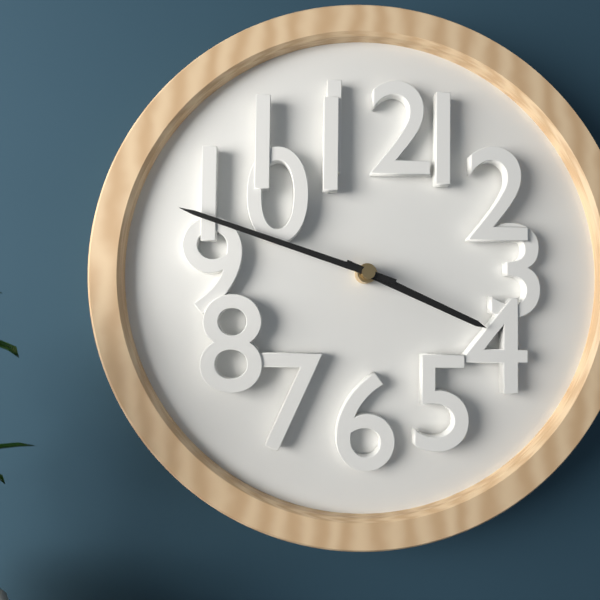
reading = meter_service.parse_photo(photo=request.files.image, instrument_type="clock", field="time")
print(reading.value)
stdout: 3:48
